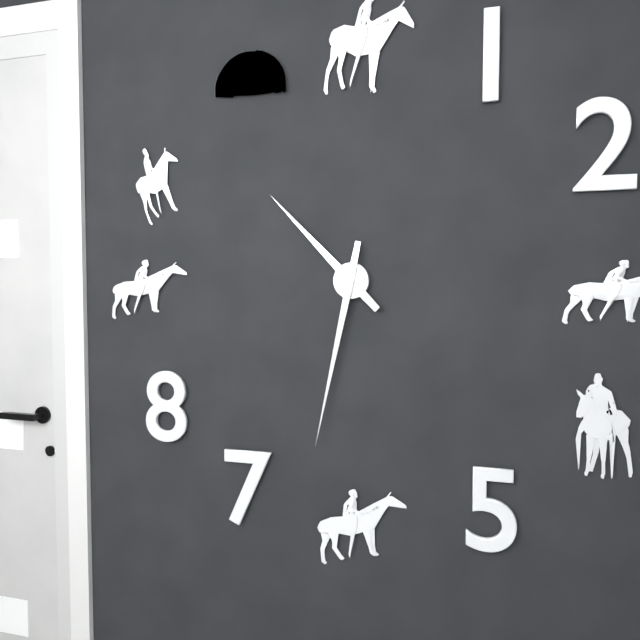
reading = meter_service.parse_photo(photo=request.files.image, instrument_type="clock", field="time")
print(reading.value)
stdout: 10:32
